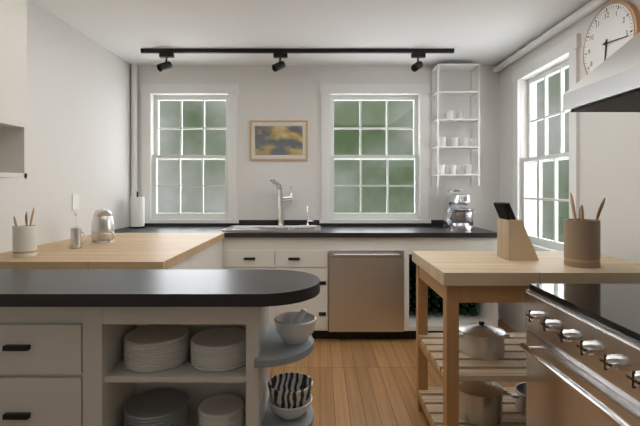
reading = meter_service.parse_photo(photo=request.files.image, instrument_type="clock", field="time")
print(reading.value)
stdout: 6:16
